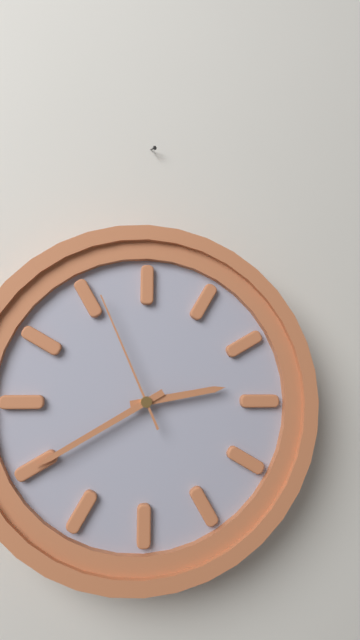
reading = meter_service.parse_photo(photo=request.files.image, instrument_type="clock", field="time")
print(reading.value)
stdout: 2:40:56
